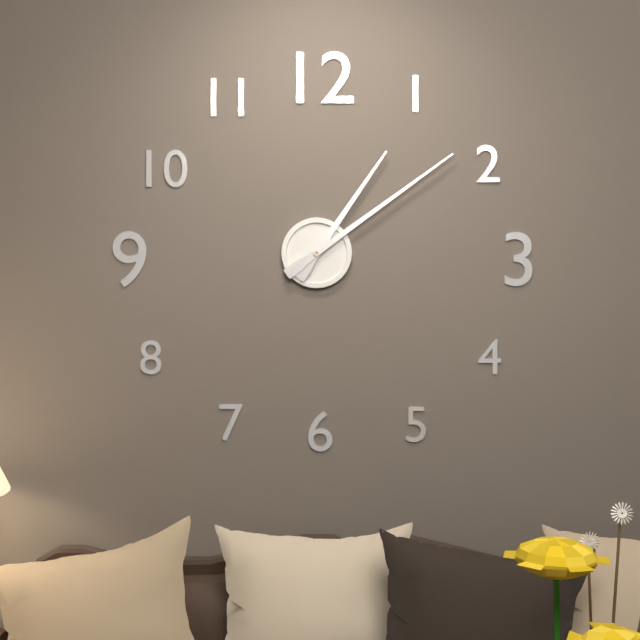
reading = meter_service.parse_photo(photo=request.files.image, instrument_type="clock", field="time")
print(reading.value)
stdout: 1:09
